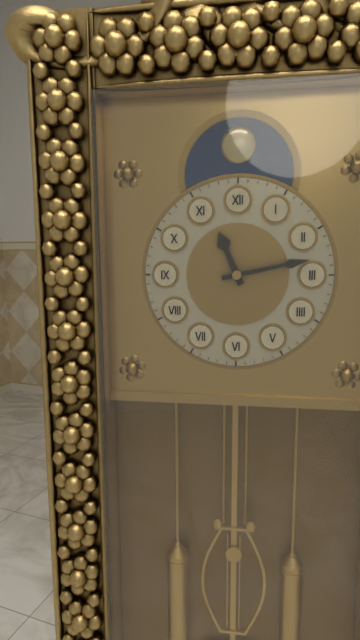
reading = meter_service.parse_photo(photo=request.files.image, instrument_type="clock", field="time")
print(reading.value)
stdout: 11:13
